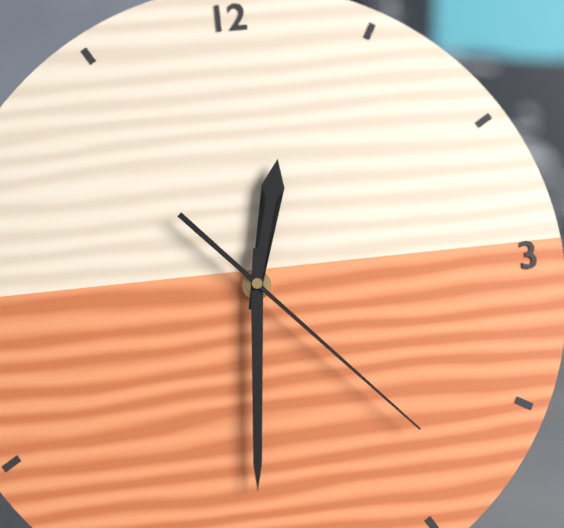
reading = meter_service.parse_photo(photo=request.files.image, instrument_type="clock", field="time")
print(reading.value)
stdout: 12:31:23
